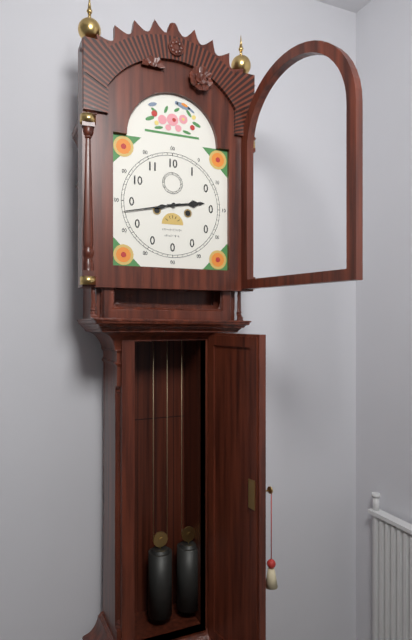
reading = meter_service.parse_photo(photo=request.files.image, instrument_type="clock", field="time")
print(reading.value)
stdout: 2:43
